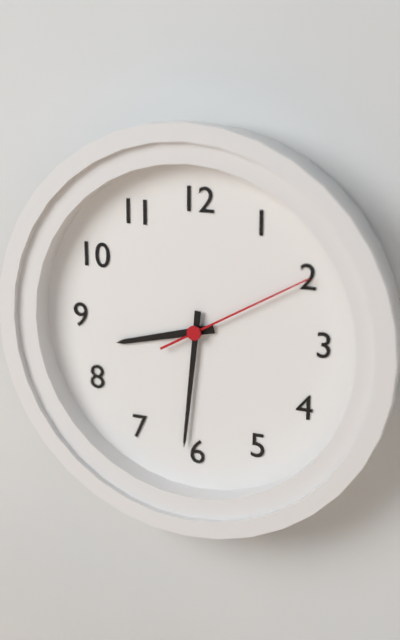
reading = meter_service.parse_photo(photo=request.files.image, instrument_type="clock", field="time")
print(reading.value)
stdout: 8:31:10
